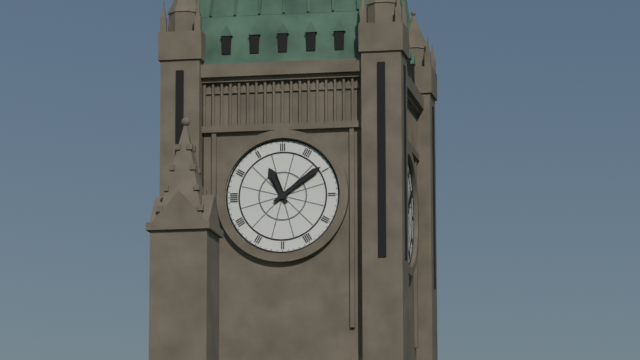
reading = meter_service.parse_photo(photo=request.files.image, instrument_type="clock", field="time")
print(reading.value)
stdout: 11:09
